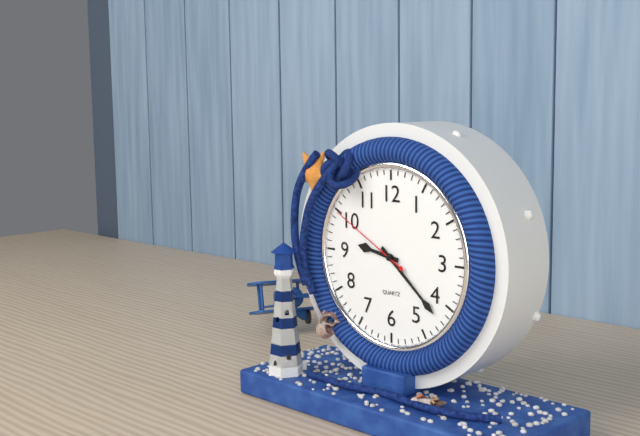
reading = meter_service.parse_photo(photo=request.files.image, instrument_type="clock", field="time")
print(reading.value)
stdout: 9:22:50
